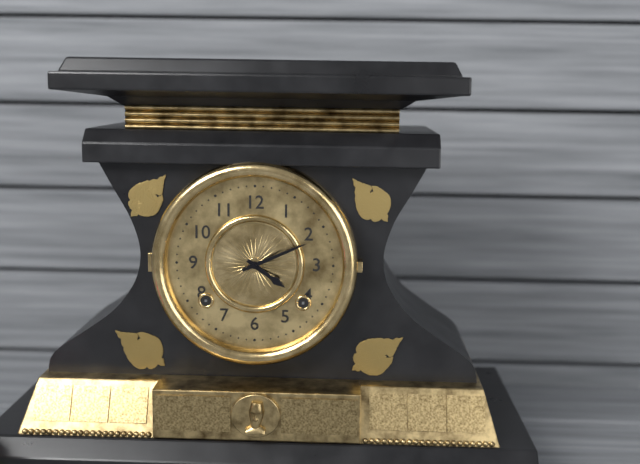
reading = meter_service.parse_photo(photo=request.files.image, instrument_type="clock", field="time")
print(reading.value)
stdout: 4:11
